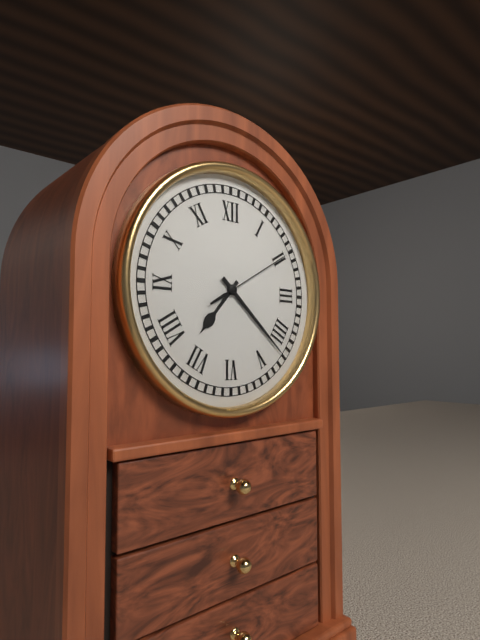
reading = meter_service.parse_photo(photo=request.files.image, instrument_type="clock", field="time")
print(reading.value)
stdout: 7:22:10
